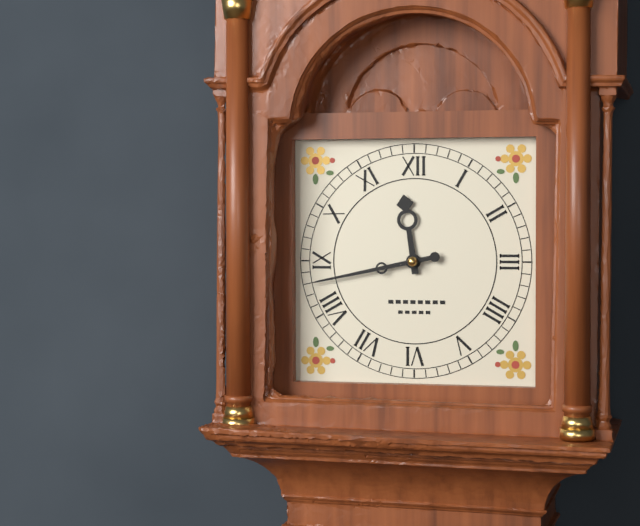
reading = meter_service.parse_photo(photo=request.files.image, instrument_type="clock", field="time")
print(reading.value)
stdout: 11:43
